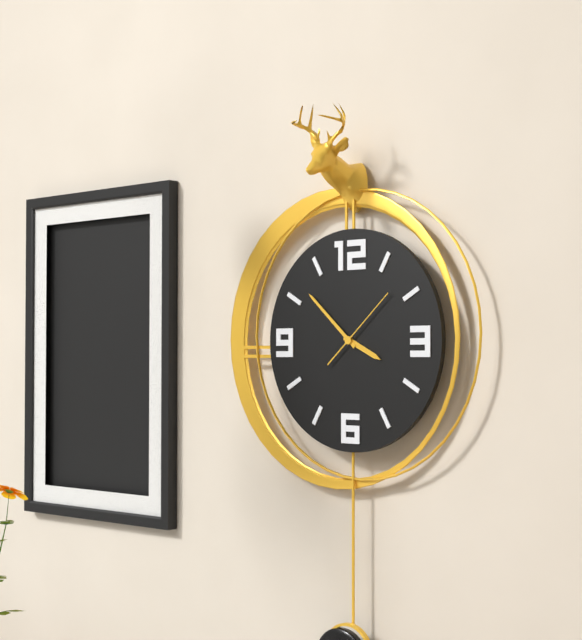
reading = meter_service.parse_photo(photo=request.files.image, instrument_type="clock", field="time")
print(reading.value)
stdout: 3:52:08
